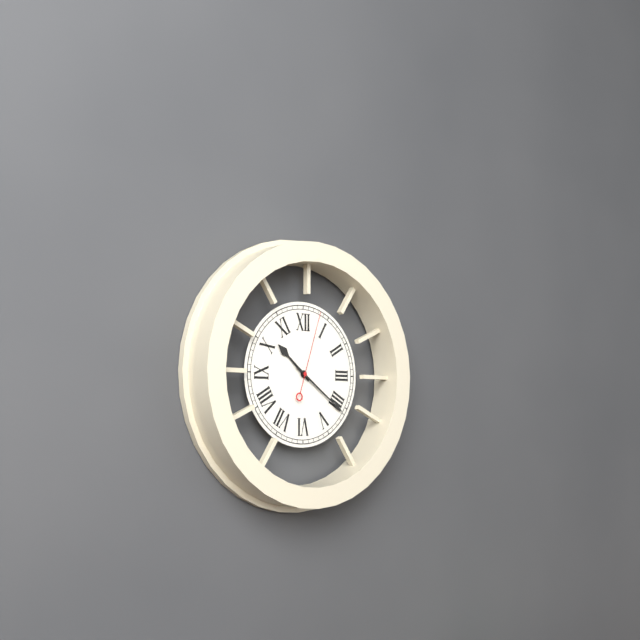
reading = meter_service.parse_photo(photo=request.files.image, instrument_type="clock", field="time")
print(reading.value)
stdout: 10:21:03
